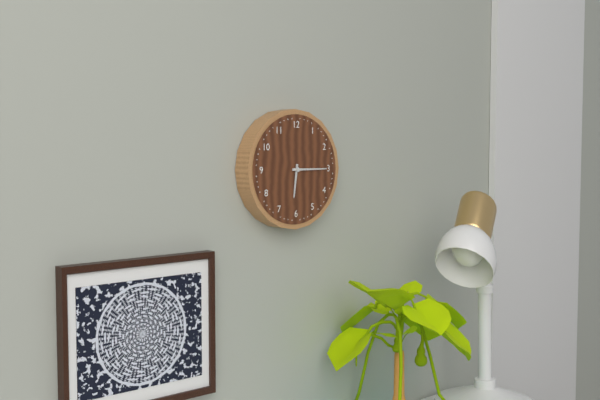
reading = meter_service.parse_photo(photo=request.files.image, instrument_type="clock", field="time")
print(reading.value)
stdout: 6:15
